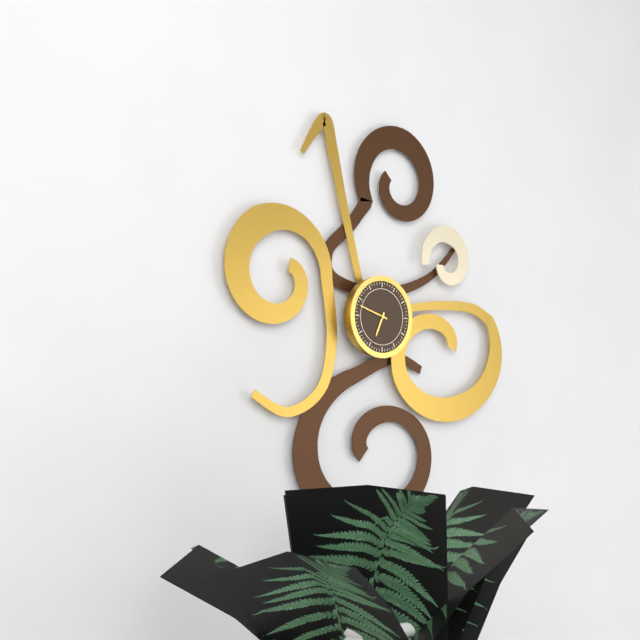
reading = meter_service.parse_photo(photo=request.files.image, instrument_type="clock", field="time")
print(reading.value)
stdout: 6:48
